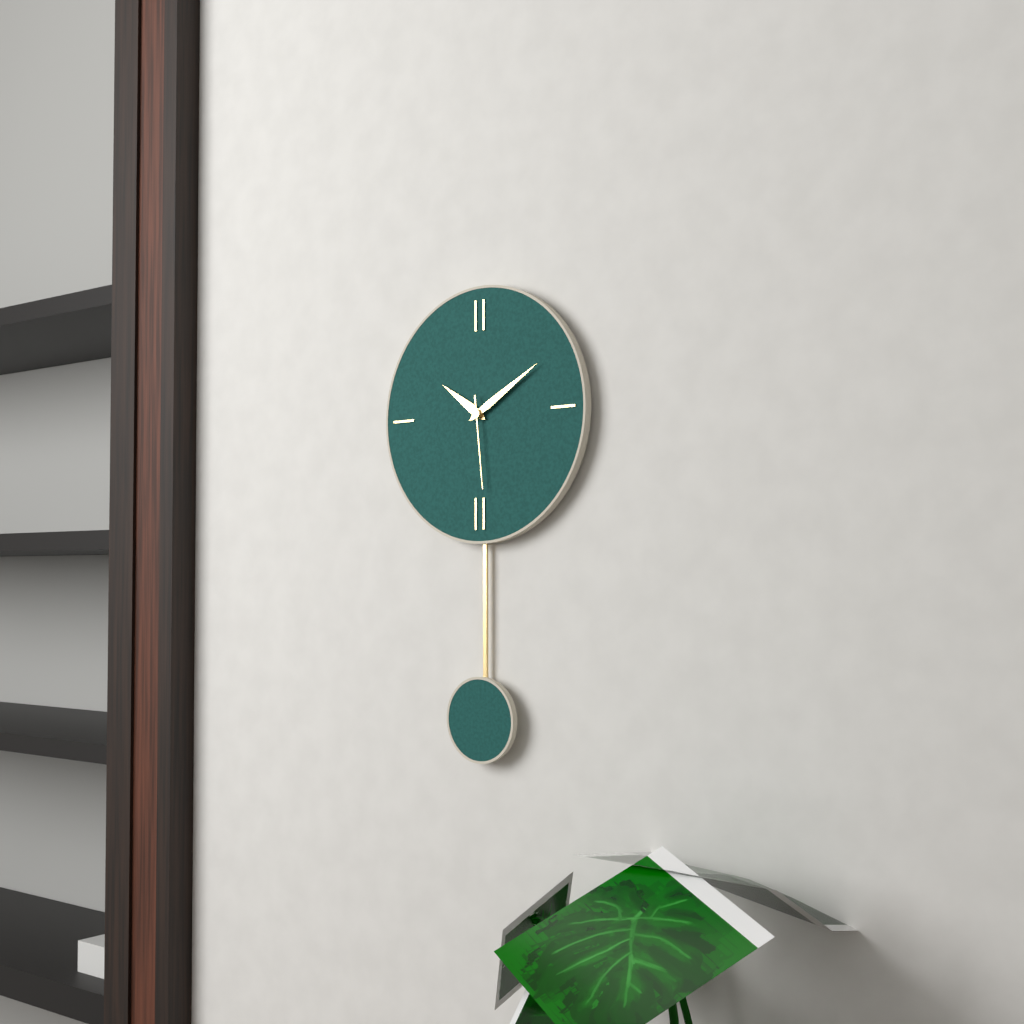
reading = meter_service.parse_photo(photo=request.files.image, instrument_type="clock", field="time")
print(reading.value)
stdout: 10:10:29
